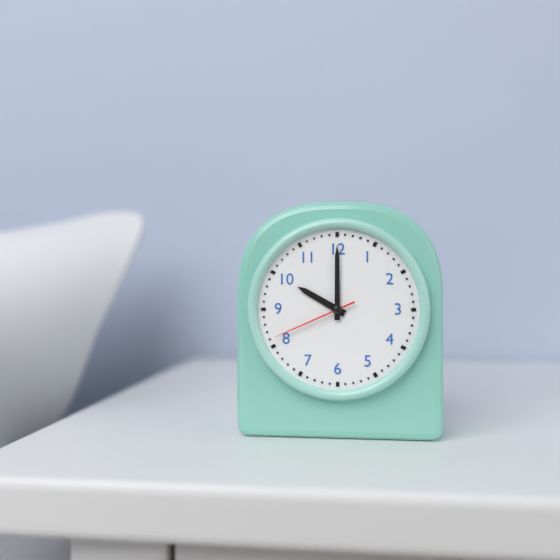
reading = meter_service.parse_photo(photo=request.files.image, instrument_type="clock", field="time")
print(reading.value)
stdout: 10:00:41
